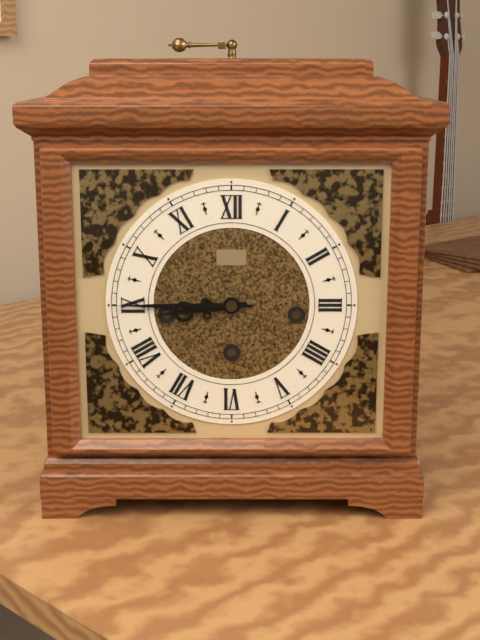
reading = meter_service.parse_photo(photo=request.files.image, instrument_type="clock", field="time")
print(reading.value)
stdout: 8:45
